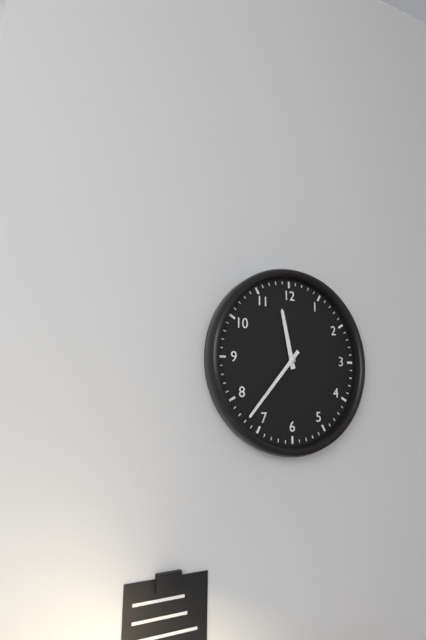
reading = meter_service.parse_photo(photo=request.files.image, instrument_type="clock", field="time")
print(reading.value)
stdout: 11:37
